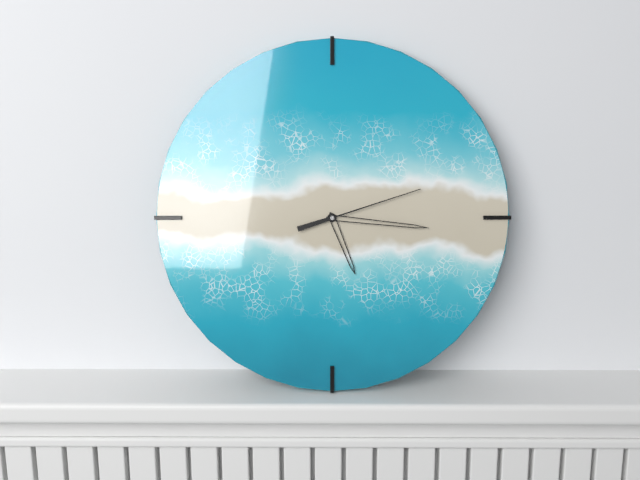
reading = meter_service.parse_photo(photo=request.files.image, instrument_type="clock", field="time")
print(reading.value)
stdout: 5:16:12
